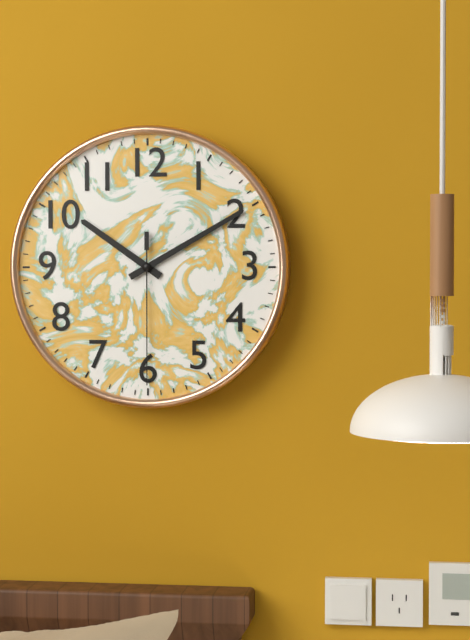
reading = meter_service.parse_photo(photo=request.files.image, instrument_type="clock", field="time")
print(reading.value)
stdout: 10:10:30
